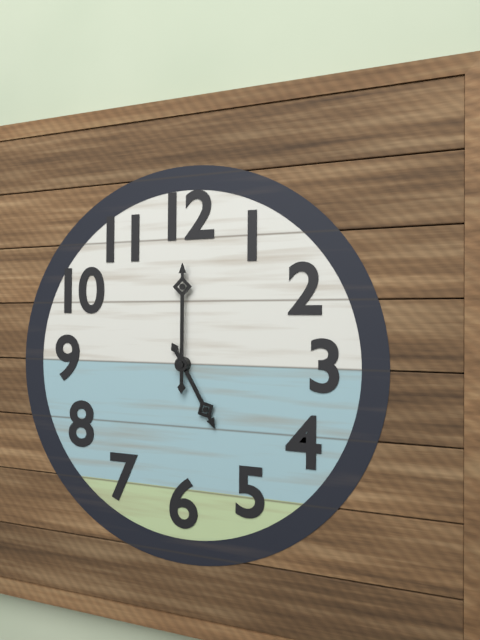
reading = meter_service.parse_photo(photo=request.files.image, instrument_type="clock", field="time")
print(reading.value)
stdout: 5:00
